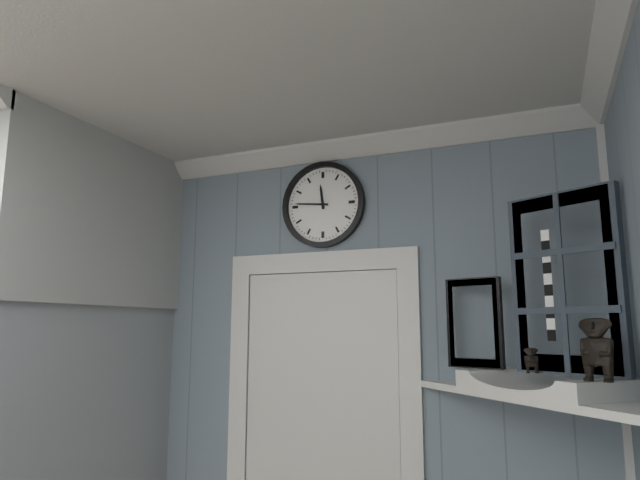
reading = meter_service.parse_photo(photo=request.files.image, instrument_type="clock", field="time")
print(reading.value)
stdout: 11:46
